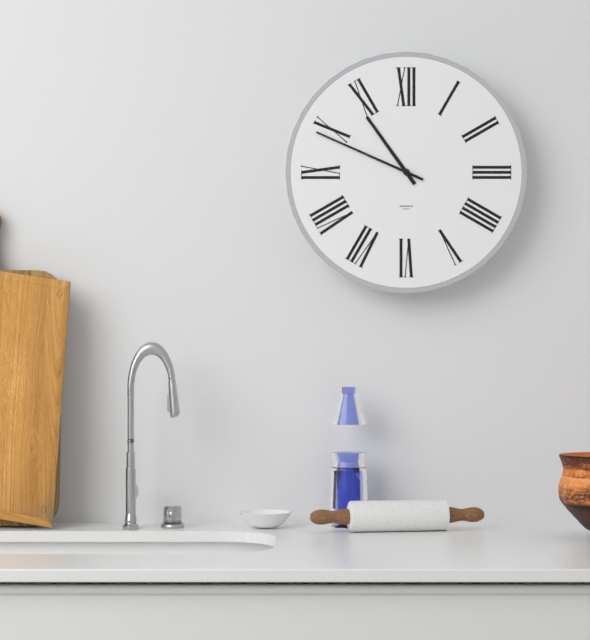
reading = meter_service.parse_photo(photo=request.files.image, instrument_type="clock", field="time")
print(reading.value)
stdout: 10:49
